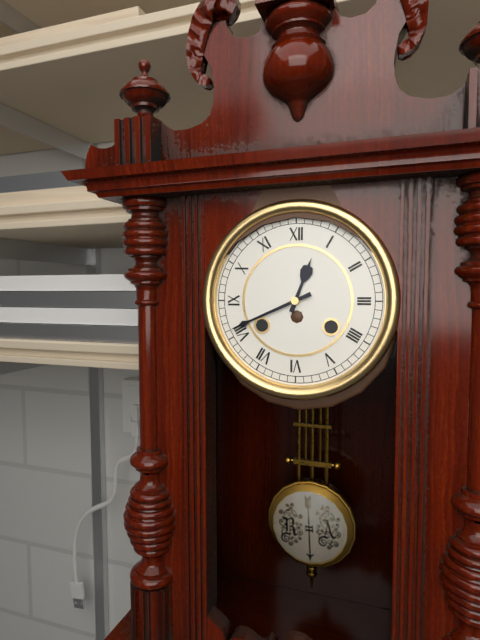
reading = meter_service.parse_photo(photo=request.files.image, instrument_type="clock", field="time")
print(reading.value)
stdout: 12:41
